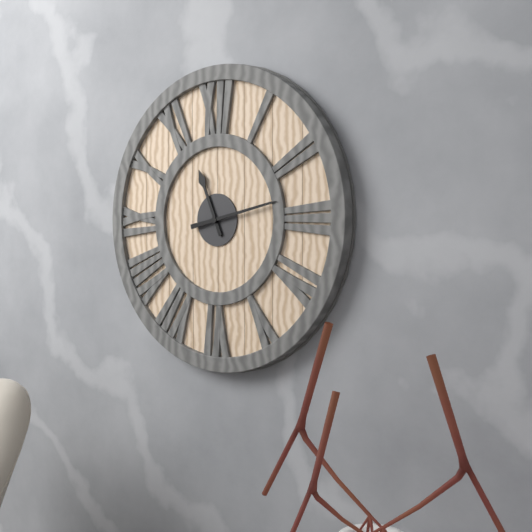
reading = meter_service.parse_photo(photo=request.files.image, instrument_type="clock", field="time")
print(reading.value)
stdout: 11:13
